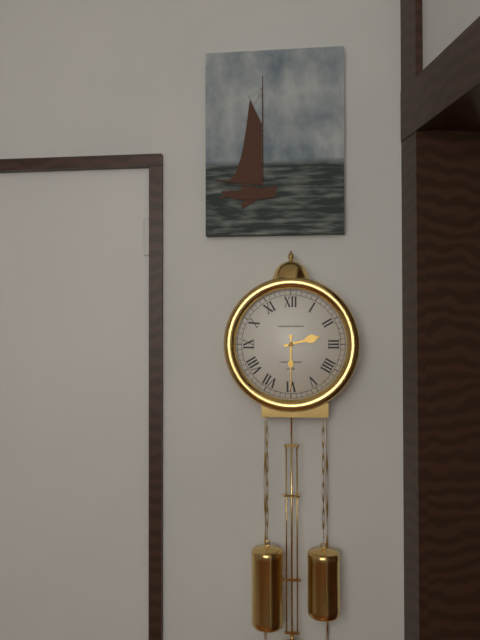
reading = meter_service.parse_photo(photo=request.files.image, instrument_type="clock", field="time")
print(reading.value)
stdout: 2:30
